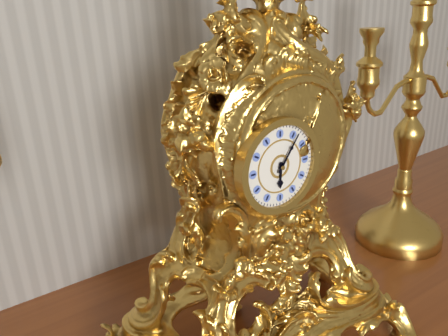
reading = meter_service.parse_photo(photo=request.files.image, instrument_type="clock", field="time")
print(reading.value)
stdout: 6:06
